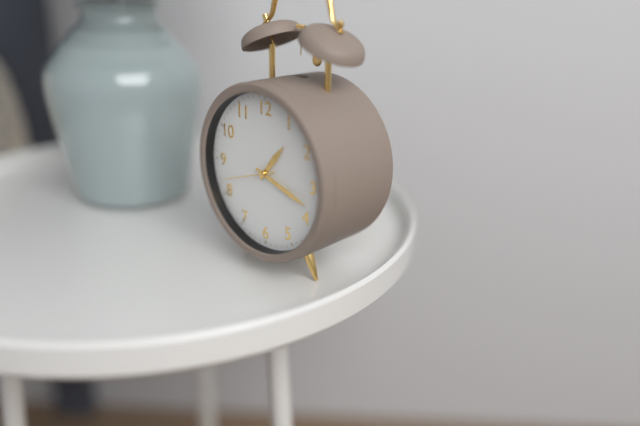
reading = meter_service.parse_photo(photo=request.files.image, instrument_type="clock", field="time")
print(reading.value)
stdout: 1:18:42
